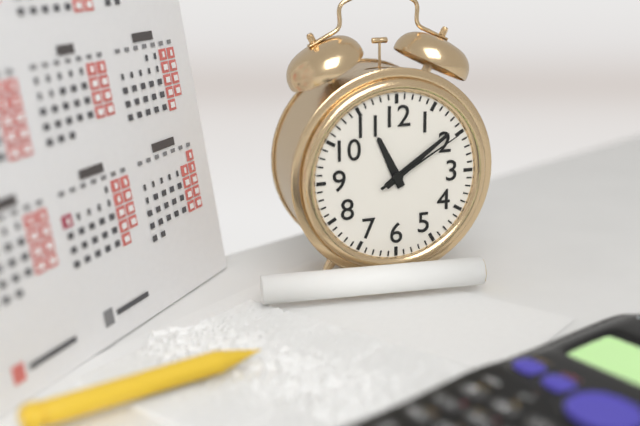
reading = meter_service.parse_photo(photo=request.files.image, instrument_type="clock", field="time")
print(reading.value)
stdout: 11:09:10
